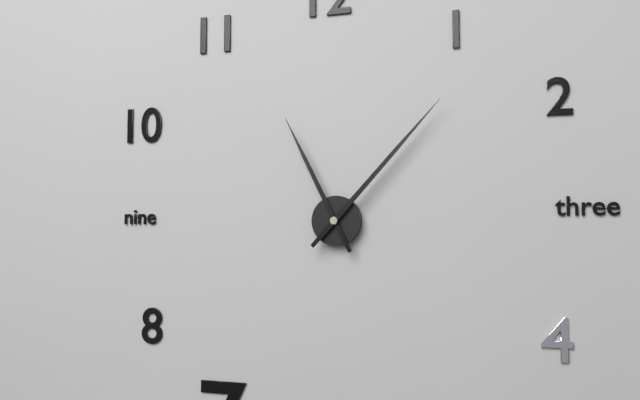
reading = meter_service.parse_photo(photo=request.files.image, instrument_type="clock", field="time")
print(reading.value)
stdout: 11:07
